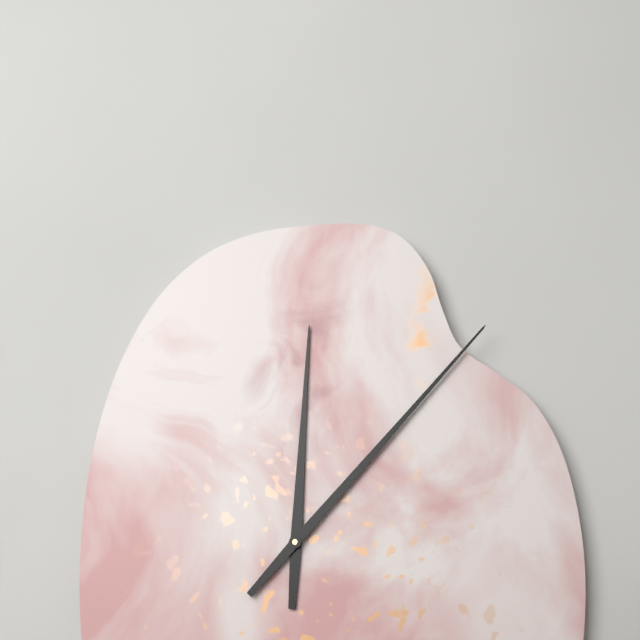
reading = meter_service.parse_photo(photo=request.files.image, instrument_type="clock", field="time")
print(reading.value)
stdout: 12:07
